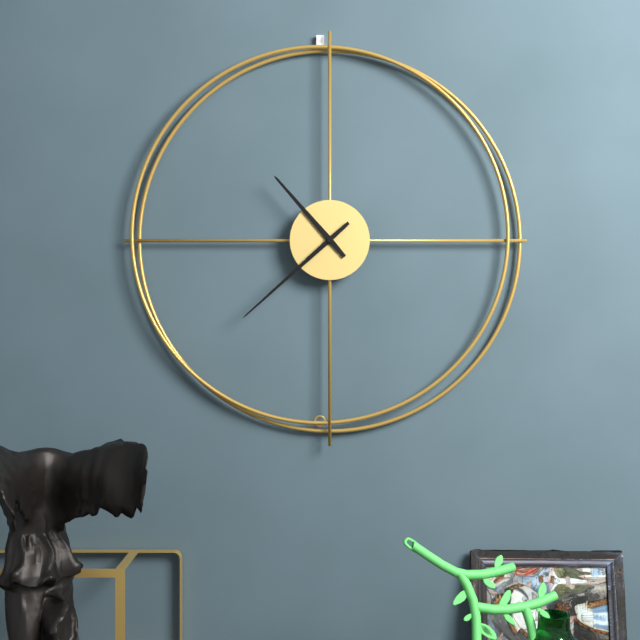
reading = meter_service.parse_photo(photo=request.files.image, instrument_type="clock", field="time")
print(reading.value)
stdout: 10:38
